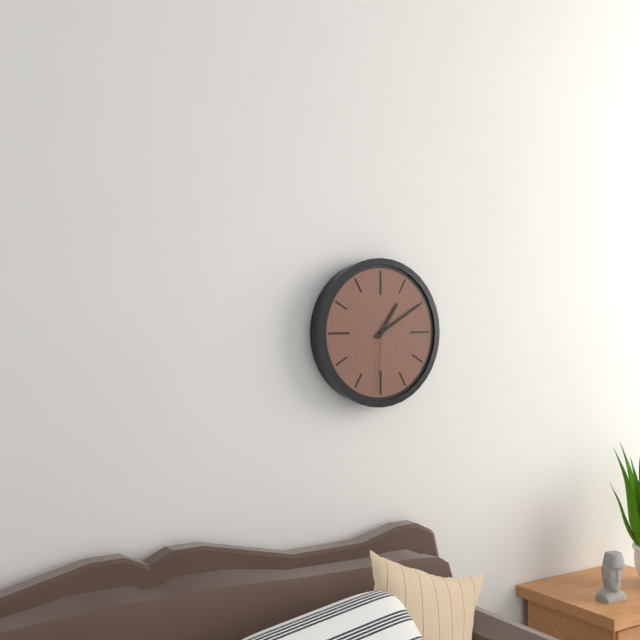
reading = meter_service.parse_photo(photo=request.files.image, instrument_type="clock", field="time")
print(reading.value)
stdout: 1:10:31
